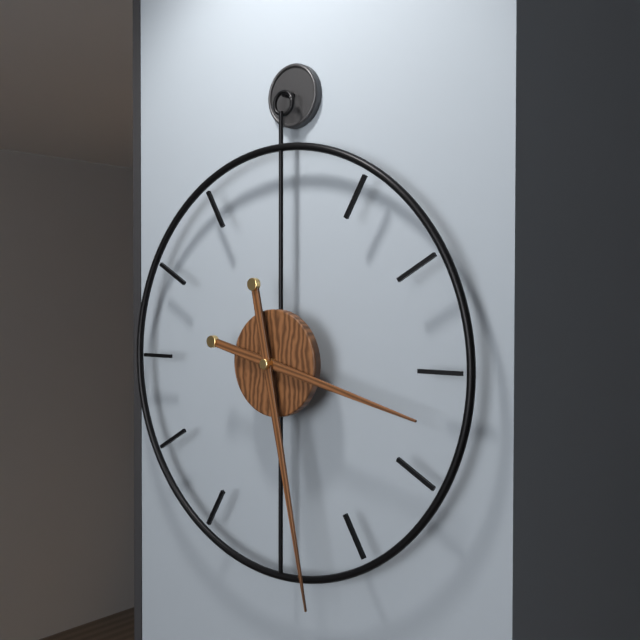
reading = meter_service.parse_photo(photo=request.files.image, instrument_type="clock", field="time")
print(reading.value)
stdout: 3:28
